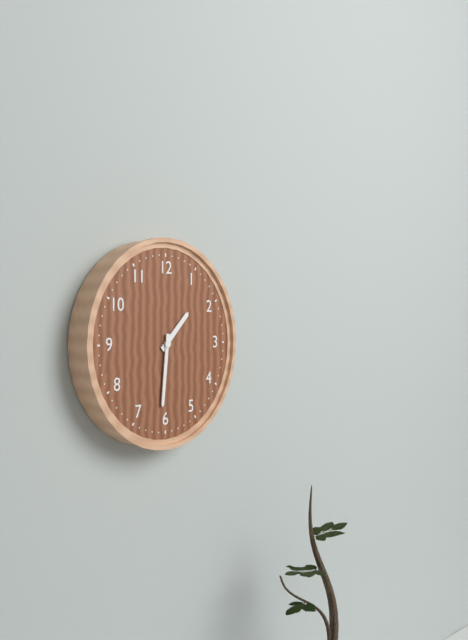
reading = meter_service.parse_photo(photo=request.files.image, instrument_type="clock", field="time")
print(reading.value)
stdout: 1:31
